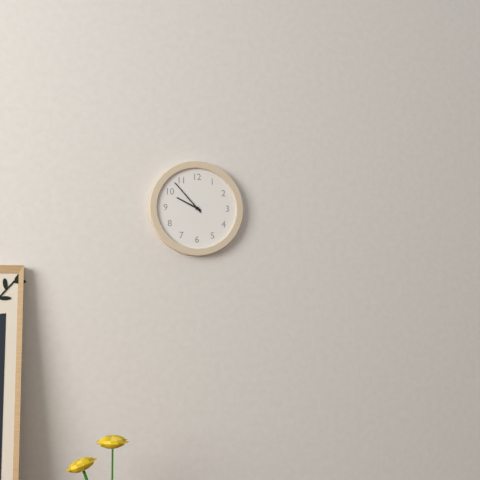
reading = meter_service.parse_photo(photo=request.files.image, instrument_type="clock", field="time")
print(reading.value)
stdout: 9:53
